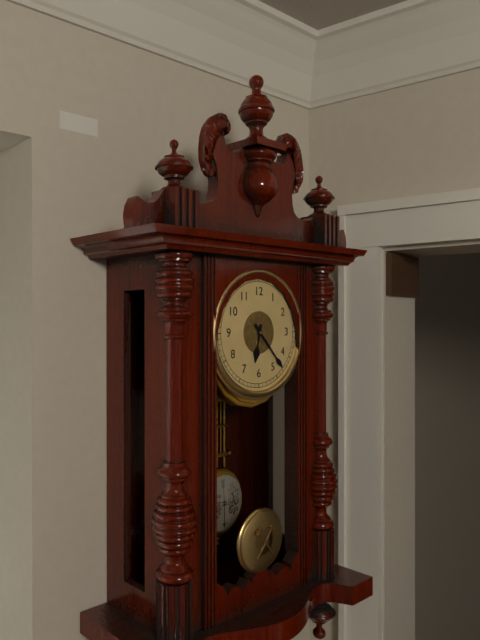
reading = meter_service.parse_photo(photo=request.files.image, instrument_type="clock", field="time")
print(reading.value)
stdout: 6:23
